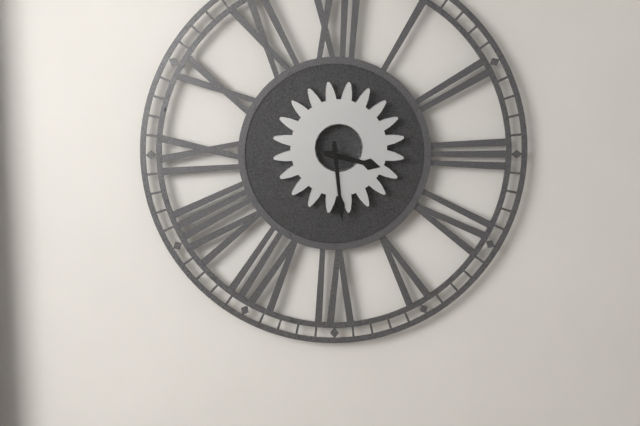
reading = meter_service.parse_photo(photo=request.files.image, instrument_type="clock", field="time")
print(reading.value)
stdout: 3:29
